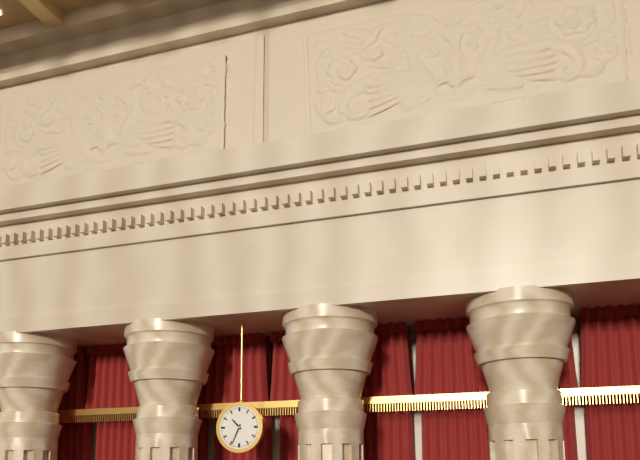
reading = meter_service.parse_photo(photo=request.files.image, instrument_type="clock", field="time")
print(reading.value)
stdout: 10:34
